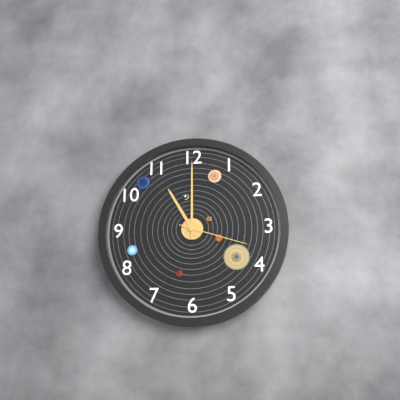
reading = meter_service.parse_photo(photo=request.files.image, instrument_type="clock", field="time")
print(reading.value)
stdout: 11:00:18
